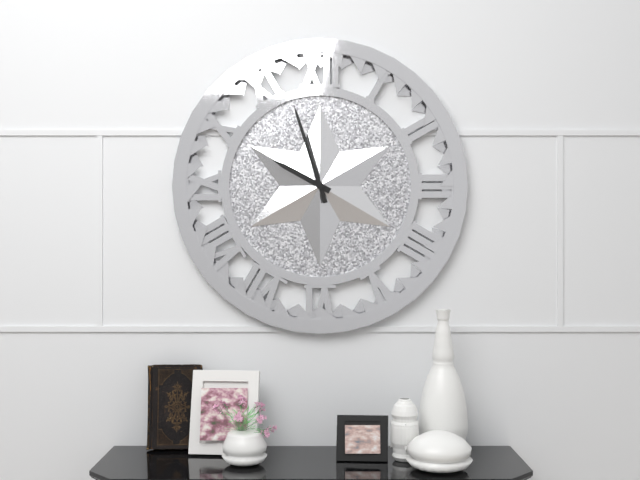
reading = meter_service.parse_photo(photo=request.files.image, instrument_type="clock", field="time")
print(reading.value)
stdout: 9:57
